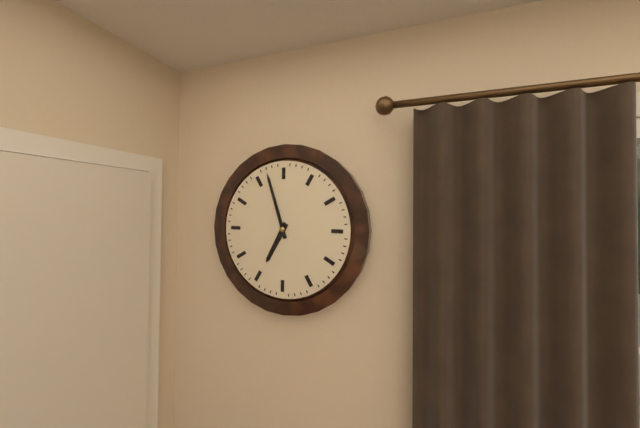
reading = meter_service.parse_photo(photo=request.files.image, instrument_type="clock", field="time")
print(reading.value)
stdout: 6:57
